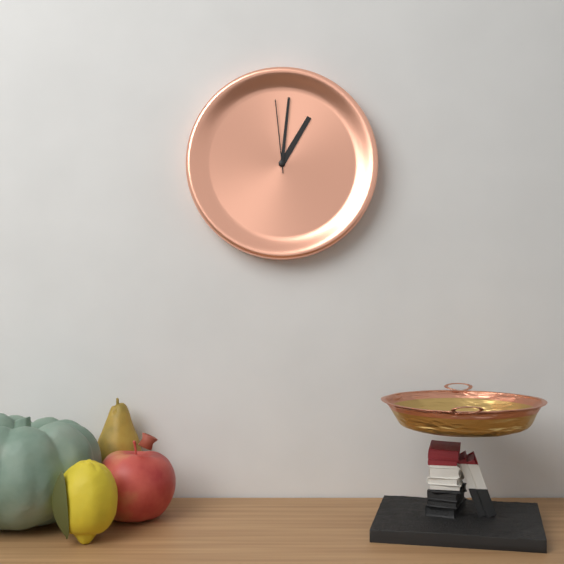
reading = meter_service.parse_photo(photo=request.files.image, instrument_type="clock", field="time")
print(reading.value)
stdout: 1:01:59
